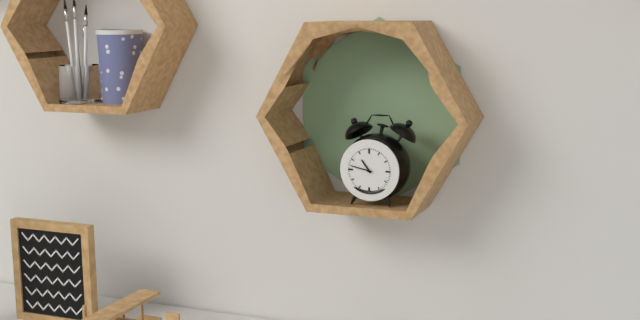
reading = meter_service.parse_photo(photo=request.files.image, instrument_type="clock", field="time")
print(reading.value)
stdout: 10:47
